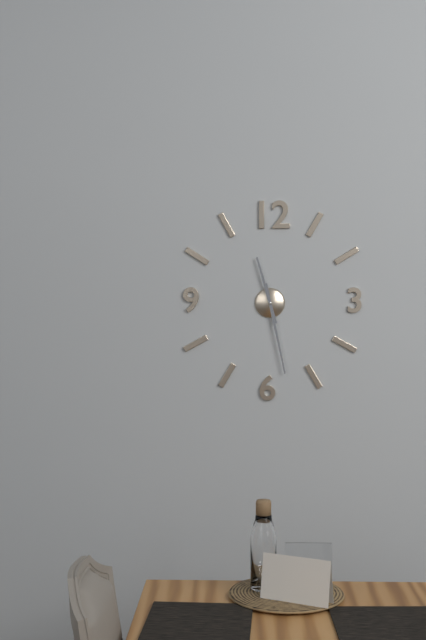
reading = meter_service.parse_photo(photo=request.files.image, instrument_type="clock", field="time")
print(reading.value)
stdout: 11:28
